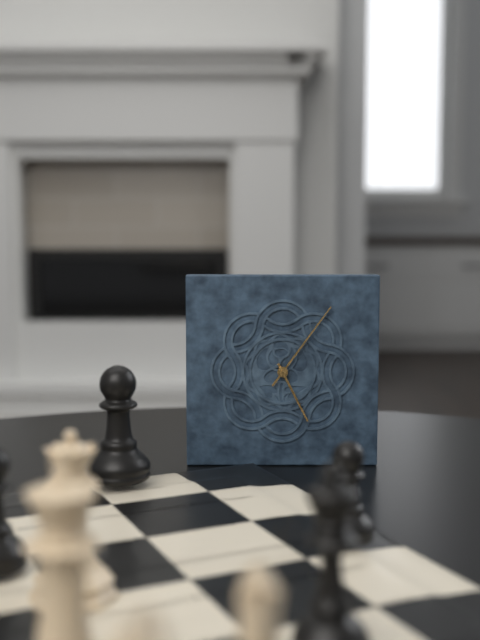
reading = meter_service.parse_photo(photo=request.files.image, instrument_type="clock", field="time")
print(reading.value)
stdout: 5:06
